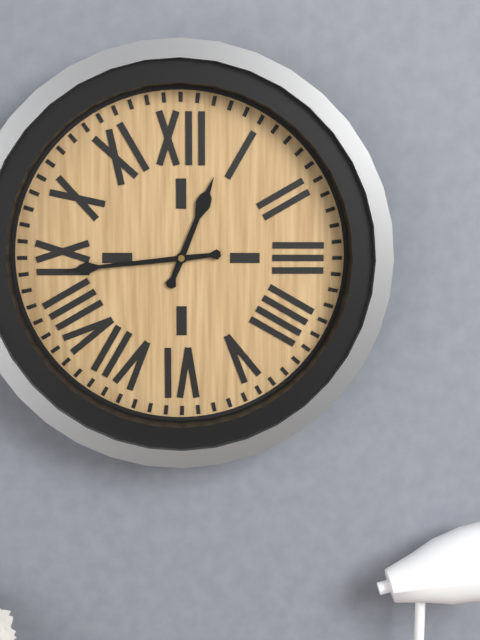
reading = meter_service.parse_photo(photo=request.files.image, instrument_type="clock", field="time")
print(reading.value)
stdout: 12:44
